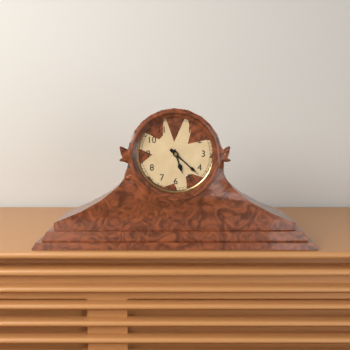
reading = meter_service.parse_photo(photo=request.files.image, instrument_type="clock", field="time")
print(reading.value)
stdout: 5:22
